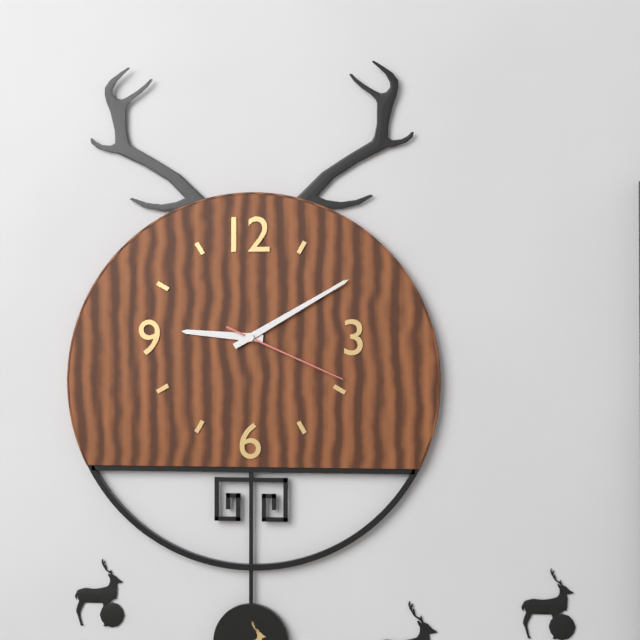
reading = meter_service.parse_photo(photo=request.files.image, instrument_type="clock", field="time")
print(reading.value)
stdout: 9:10:19
